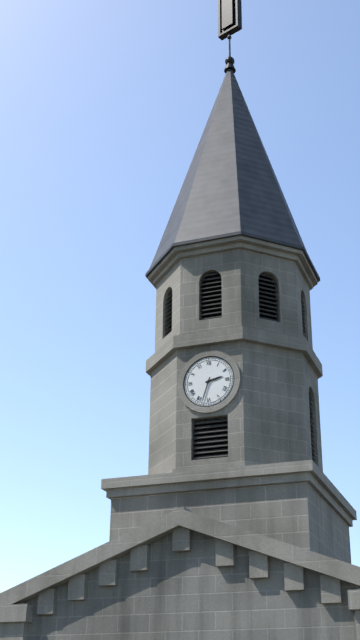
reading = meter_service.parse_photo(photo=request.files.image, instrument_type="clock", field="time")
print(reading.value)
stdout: 2:33
